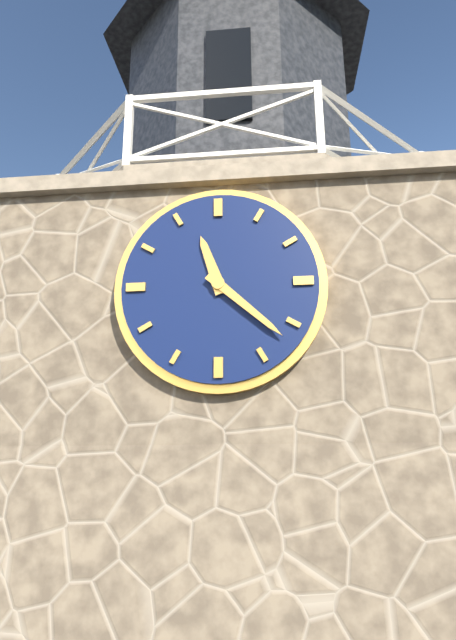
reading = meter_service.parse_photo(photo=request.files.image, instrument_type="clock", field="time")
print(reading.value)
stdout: 11:22
